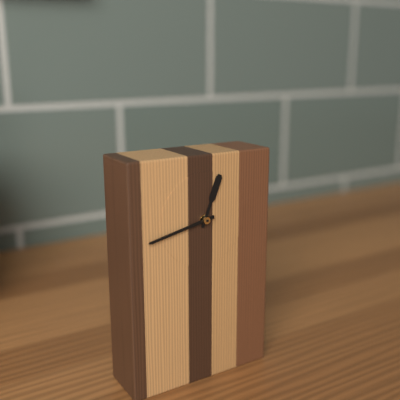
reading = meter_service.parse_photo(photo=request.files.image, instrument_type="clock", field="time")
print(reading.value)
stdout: 12:43
